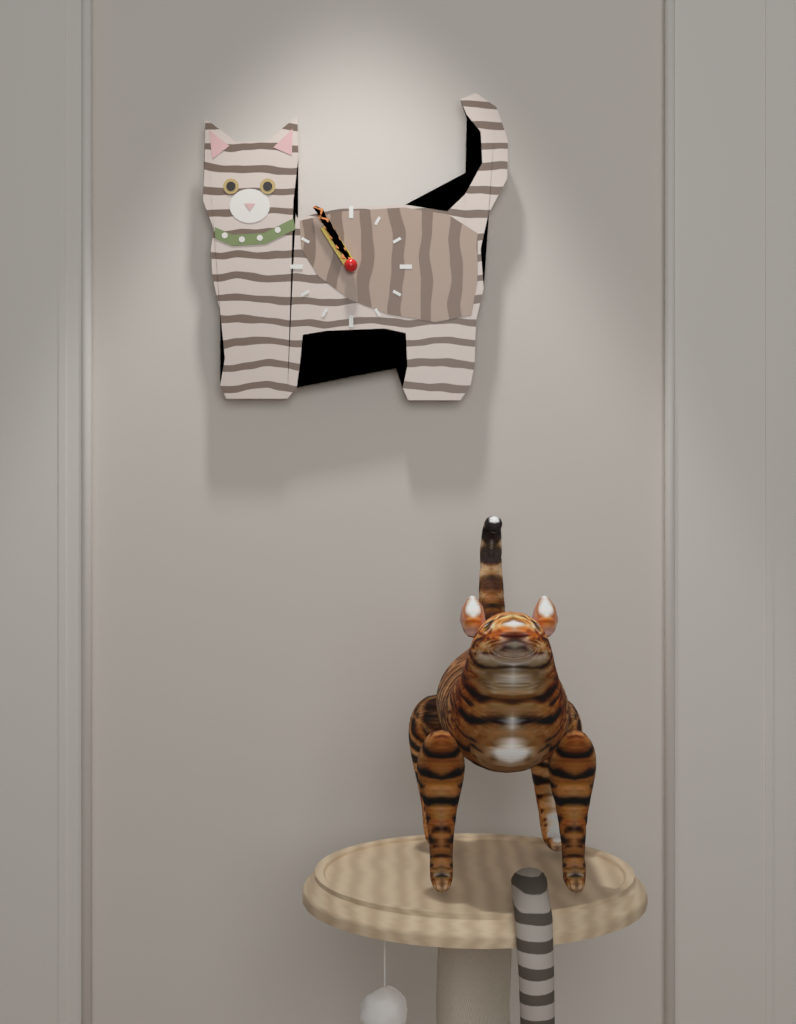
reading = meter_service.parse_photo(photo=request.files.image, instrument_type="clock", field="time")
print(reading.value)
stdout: 10:55
